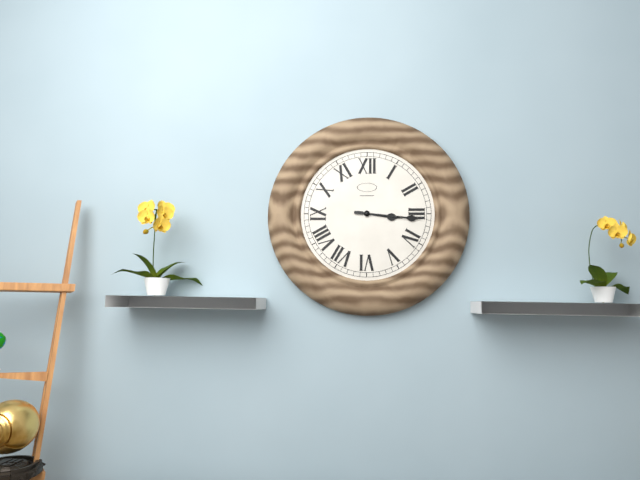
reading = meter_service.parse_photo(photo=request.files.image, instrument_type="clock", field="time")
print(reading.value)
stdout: 3:16
